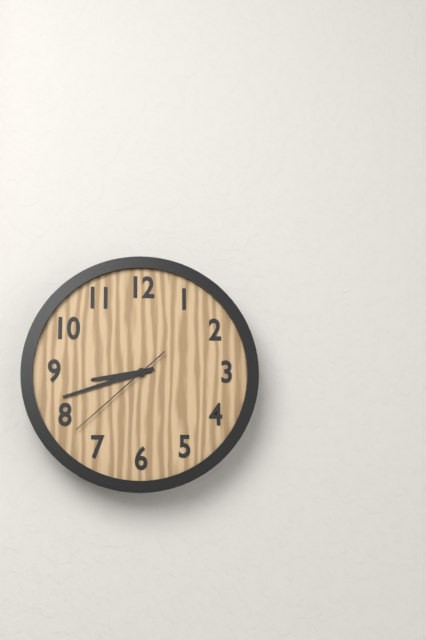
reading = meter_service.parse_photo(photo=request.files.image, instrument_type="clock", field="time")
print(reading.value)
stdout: 8:42:38
